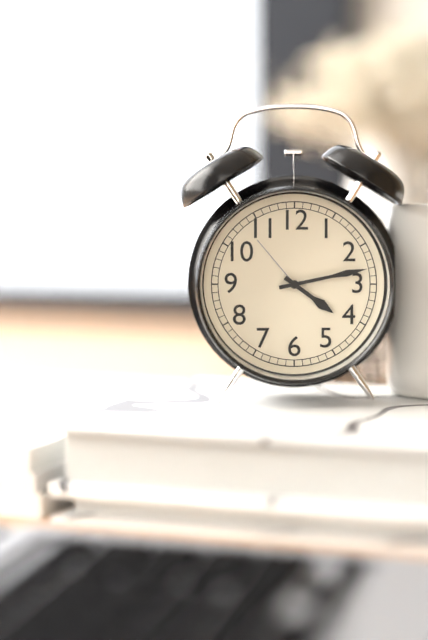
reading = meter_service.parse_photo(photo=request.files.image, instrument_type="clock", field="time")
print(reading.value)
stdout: 4:13
